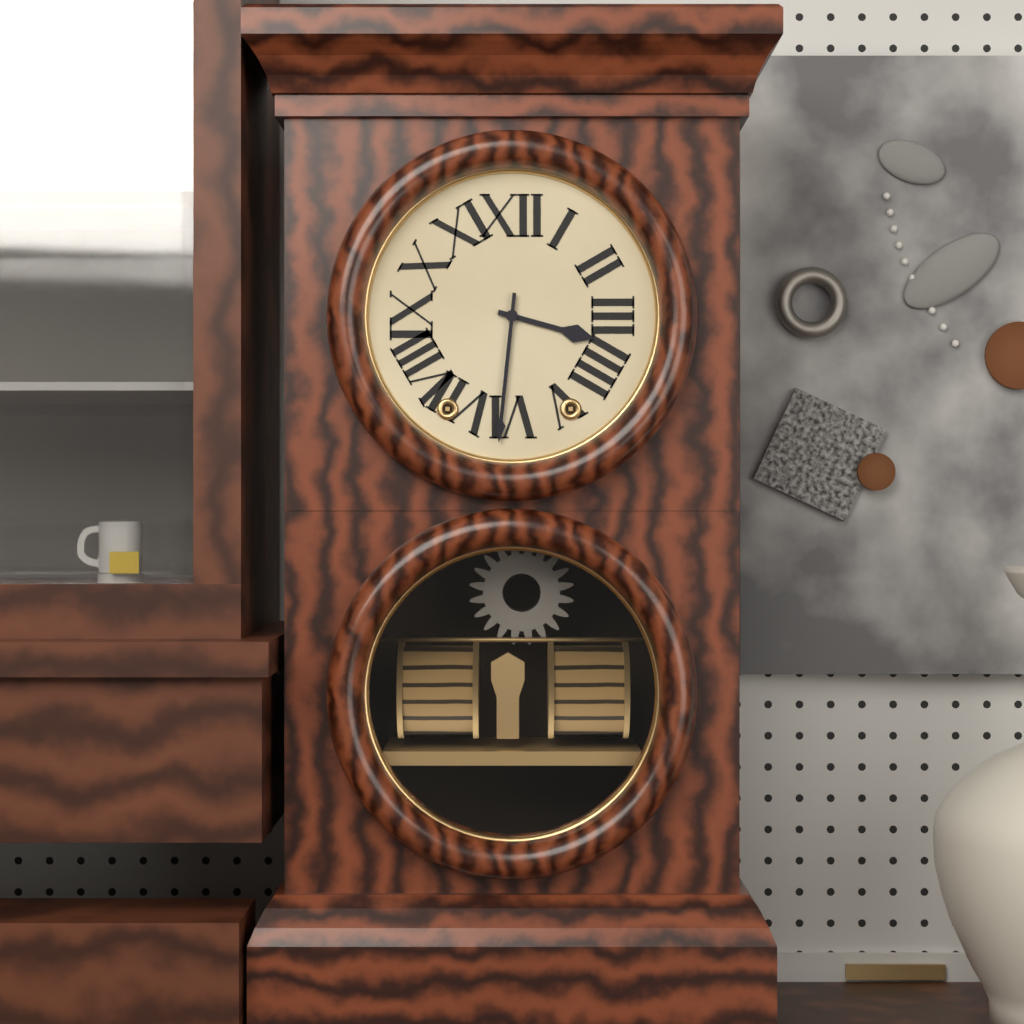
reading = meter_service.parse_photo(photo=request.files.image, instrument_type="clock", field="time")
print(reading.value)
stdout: 3:31
